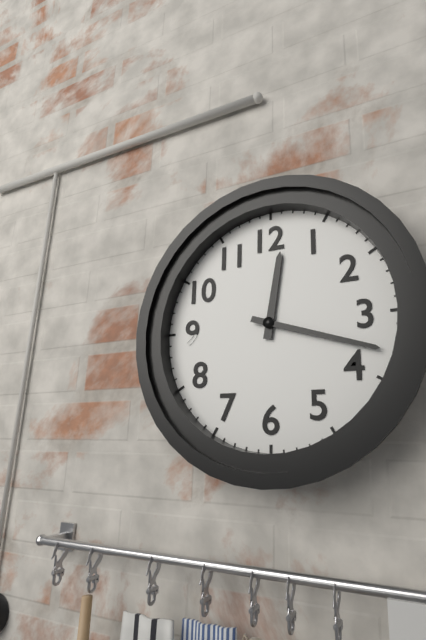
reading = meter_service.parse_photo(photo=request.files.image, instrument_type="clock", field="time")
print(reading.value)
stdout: 12:18
